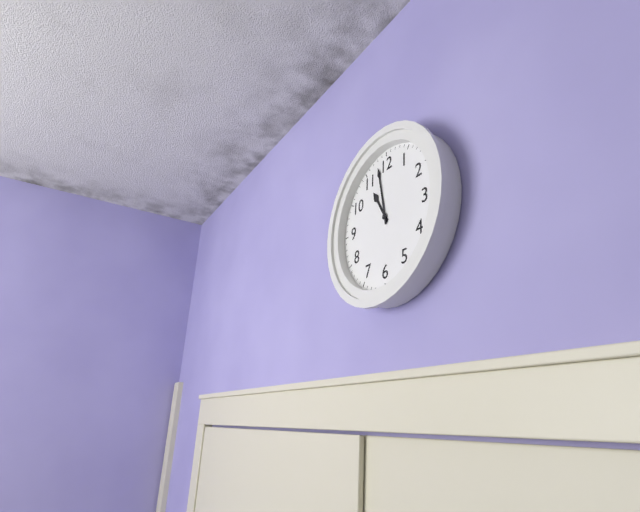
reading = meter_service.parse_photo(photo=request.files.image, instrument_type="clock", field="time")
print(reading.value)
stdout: 10:58
